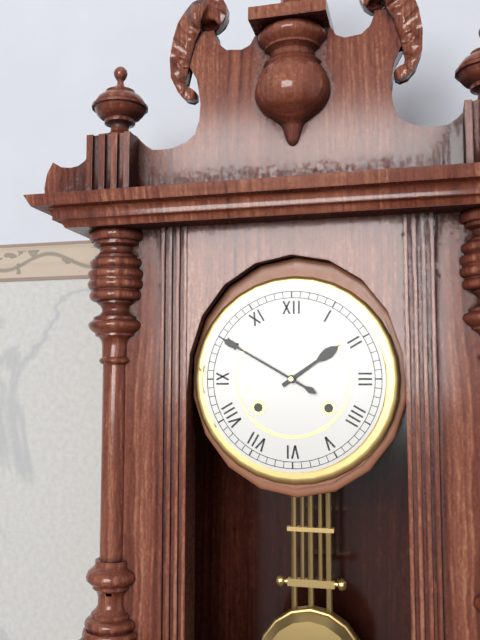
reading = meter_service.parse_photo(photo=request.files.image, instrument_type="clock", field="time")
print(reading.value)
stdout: 1:50
